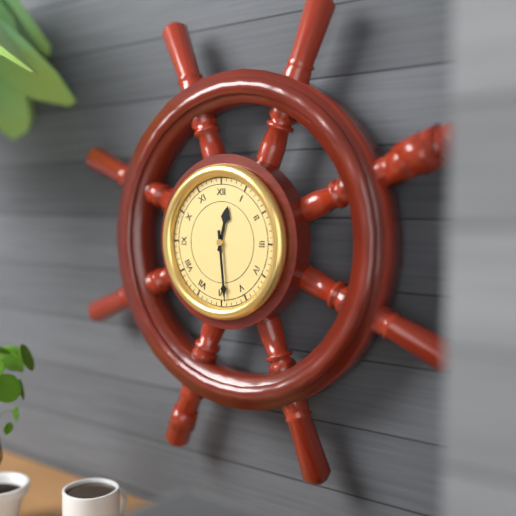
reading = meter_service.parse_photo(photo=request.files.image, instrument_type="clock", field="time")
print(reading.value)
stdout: 12:29
